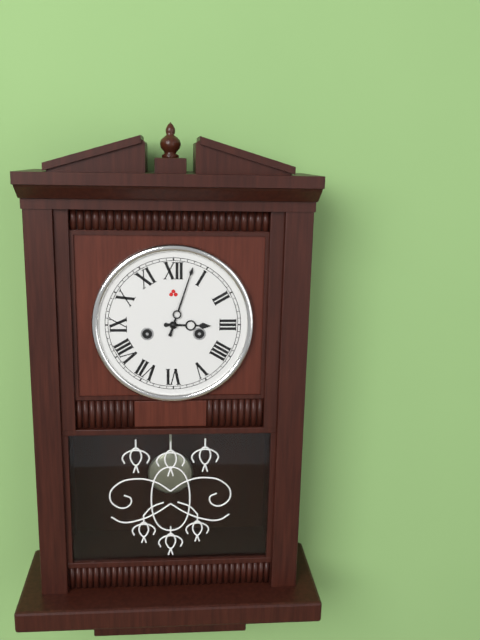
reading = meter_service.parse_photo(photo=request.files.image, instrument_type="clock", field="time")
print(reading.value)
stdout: 3:03
